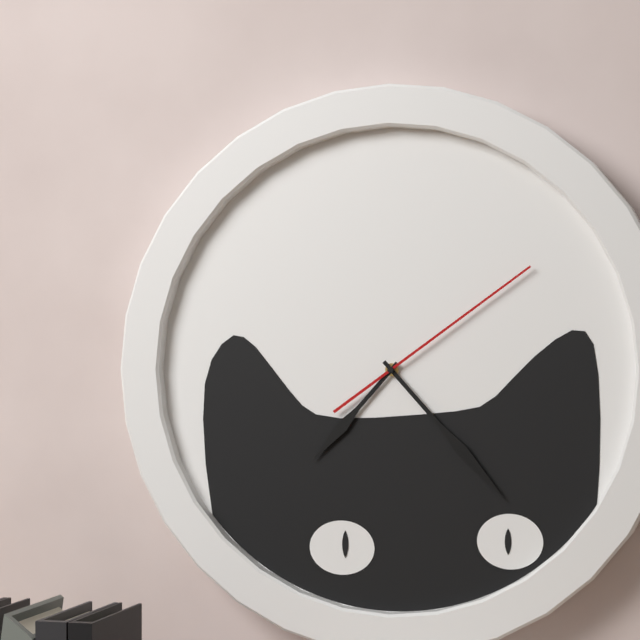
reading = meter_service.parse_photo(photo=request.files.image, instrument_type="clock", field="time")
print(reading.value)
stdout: 7:23:09
